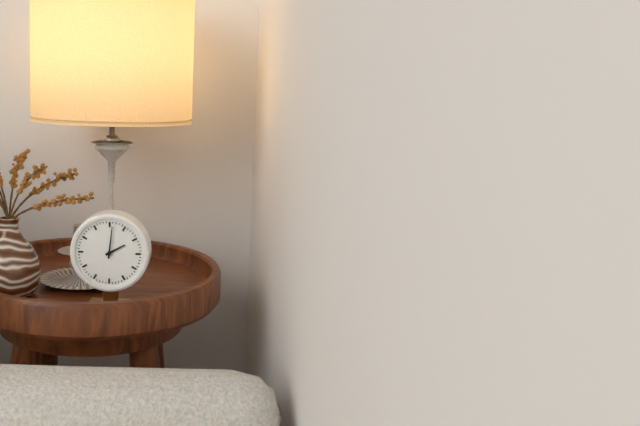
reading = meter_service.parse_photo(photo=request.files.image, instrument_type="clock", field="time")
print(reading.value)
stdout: 2:01
